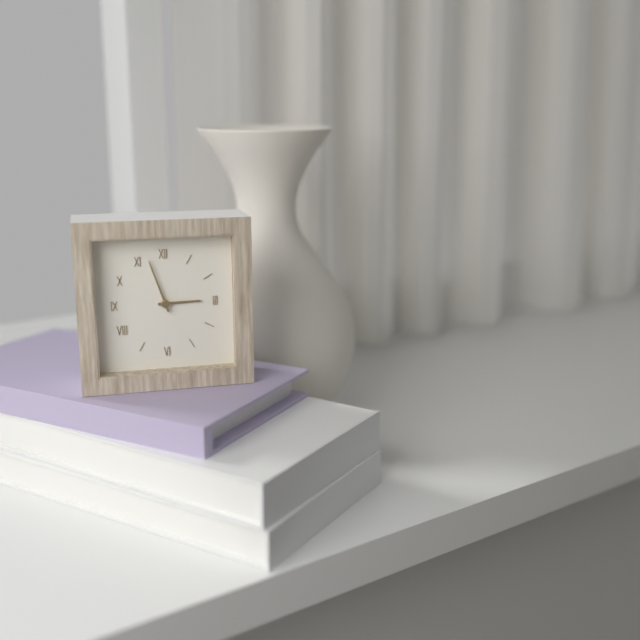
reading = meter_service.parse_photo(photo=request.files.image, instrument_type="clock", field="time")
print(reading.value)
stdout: 2:57
